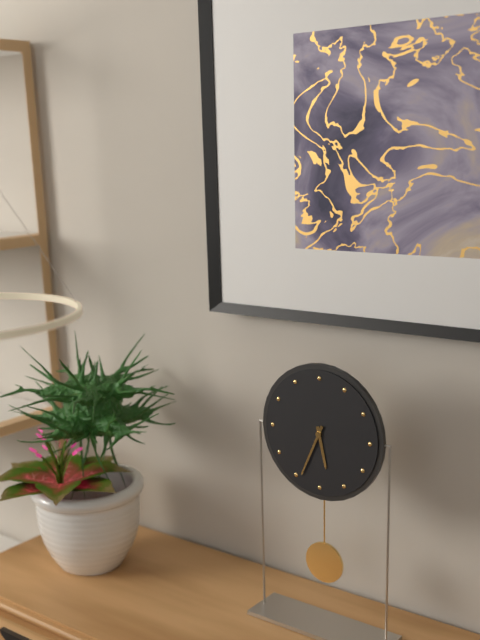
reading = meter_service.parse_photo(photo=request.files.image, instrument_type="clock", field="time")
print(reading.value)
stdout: 5:34
